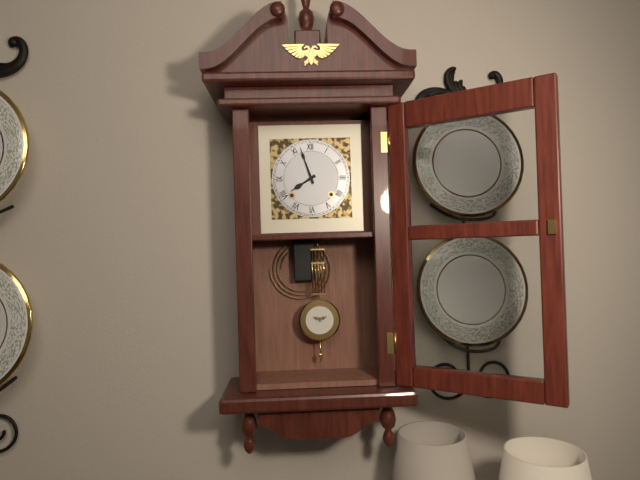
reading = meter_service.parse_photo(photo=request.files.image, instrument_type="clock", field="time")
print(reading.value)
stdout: 7:57
